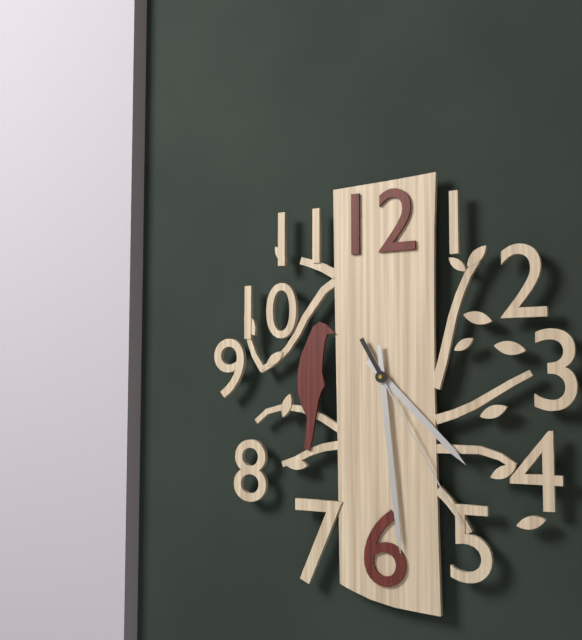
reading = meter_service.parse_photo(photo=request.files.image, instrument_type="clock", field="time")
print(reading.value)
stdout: 4:29:25
